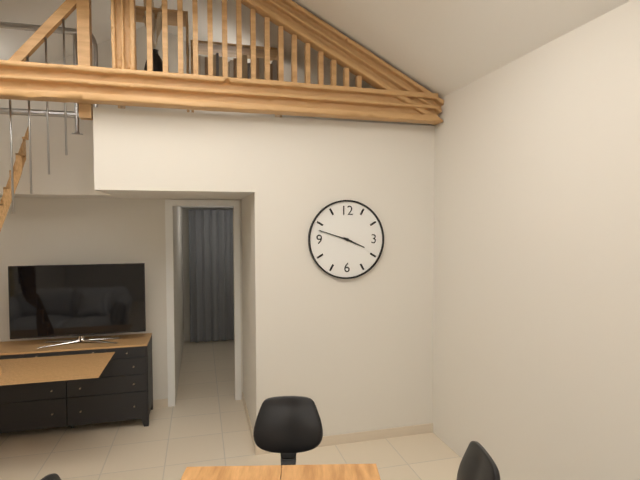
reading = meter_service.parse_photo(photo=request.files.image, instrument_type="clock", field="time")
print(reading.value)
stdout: 3:48
